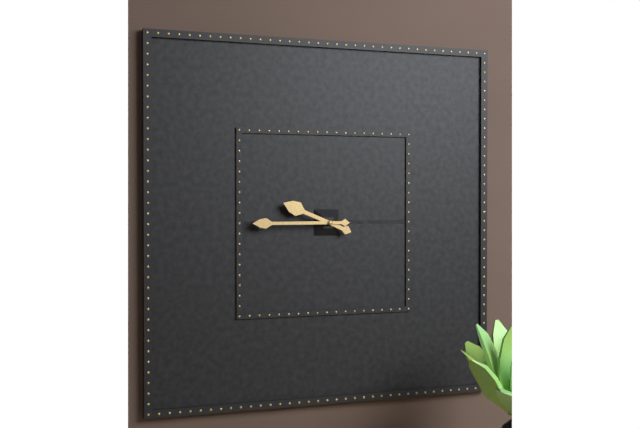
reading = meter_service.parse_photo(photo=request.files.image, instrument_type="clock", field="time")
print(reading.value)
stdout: 9:45
